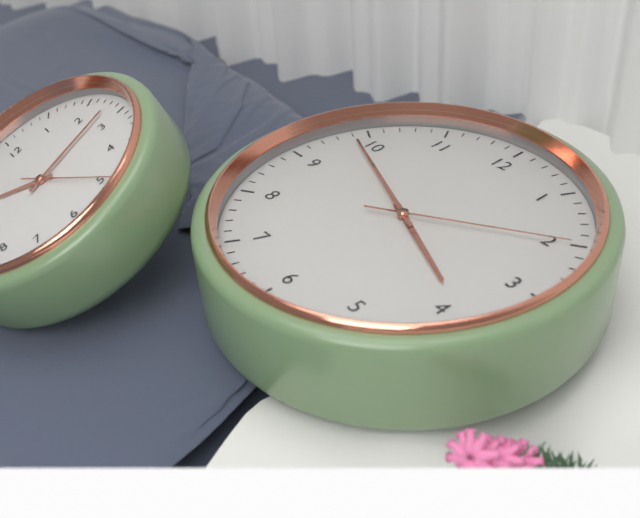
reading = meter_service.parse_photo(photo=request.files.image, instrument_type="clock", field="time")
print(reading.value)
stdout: 3:49:10
